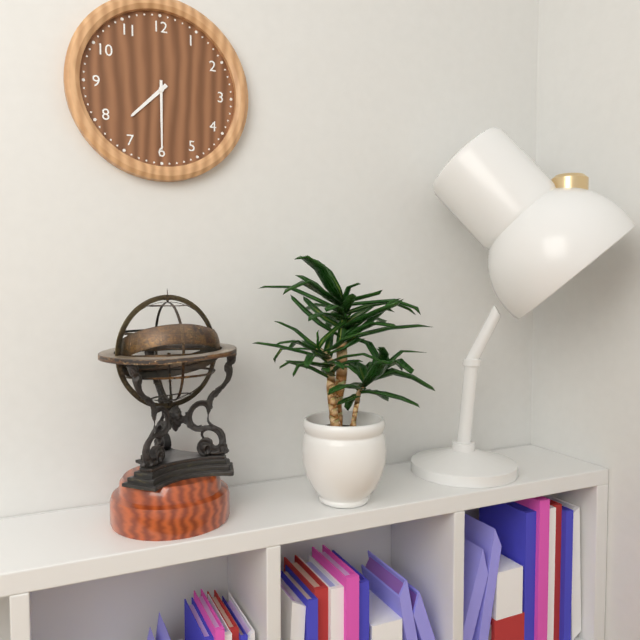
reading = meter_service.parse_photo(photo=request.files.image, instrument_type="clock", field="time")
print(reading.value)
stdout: 7:30
